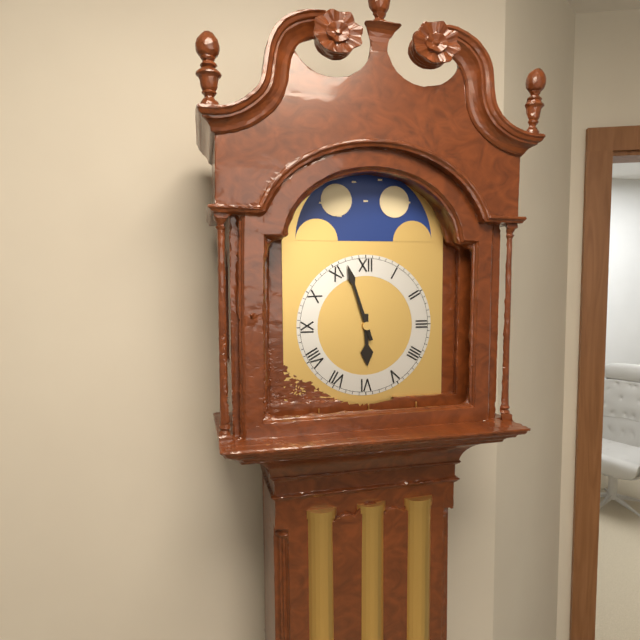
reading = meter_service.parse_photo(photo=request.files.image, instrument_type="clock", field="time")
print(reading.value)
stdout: 5:57
